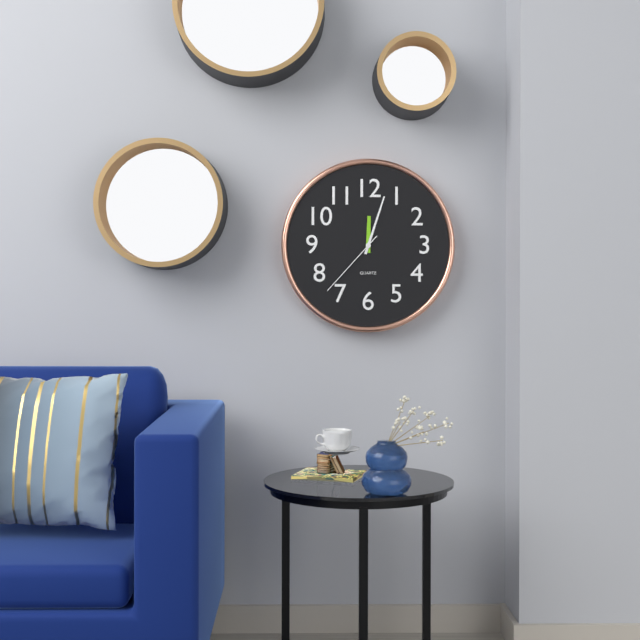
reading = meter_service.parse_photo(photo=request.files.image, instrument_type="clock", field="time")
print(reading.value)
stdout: 12:03:37
